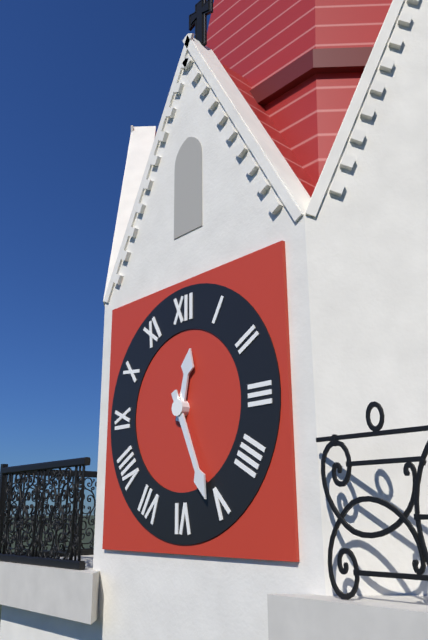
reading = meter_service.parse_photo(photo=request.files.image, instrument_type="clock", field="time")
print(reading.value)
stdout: 12:26
